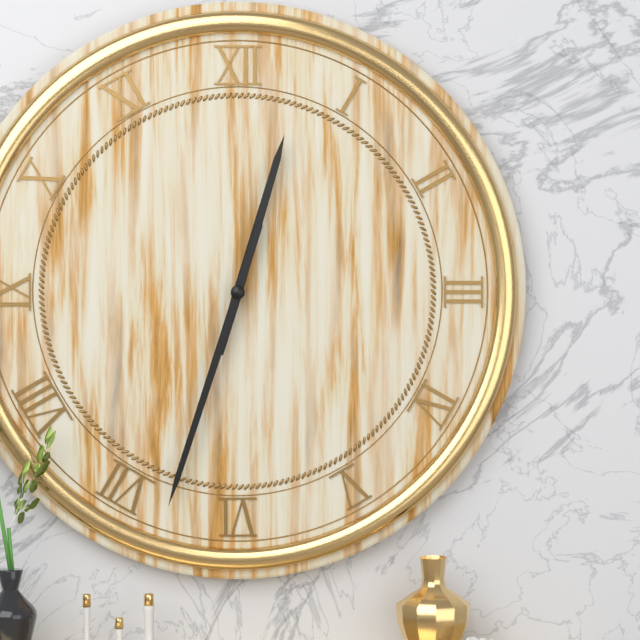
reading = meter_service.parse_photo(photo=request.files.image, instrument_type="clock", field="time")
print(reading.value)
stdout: 12:33
